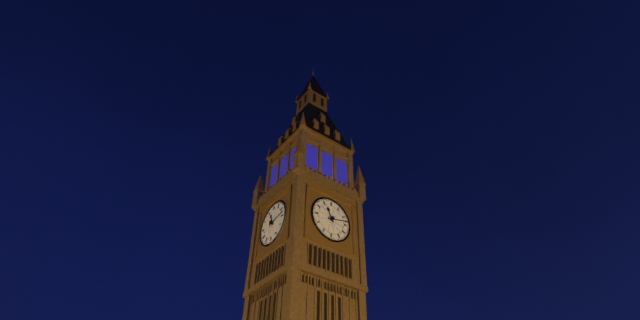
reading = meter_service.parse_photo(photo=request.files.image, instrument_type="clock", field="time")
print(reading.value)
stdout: 11:13
